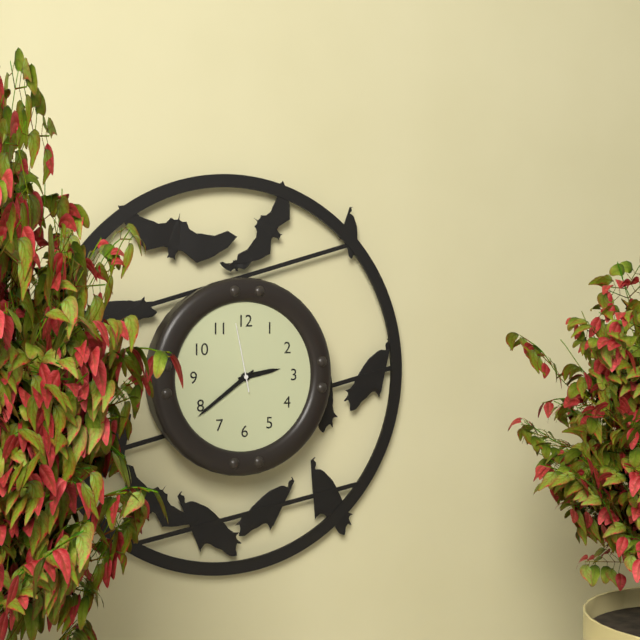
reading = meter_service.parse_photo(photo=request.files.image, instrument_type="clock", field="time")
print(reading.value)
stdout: 2:39:58
